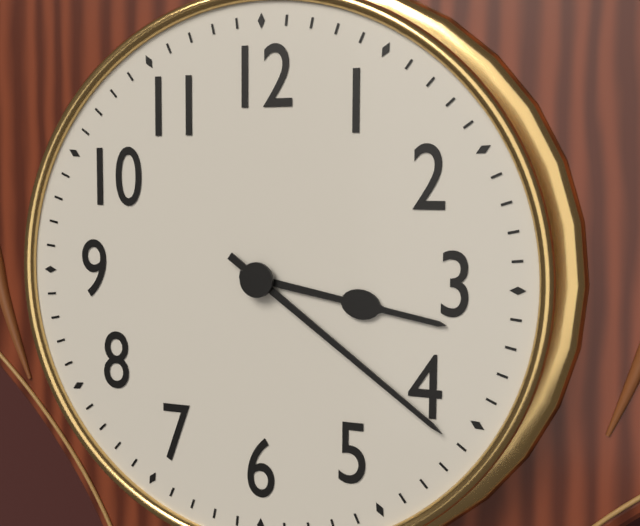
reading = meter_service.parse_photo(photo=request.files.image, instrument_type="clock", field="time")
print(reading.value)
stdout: 3:21
